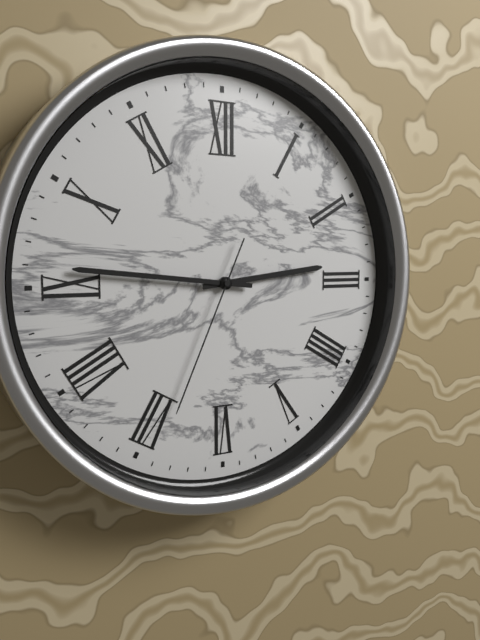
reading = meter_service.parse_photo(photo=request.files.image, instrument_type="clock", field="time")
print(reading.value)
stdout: 2:46:34
